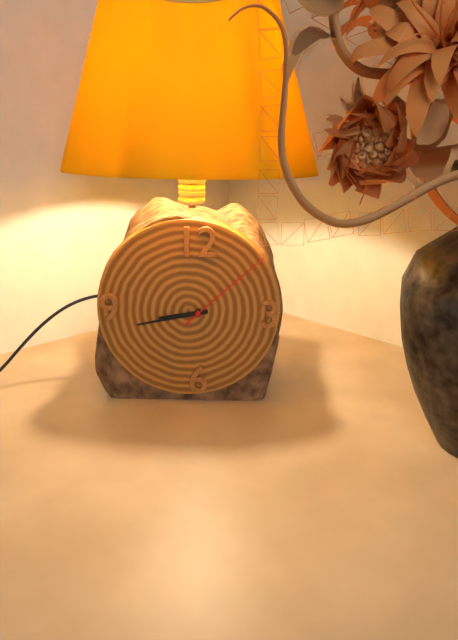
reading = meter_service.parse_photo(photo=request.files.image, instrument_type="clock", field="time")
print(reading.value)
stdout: 8:43:08
